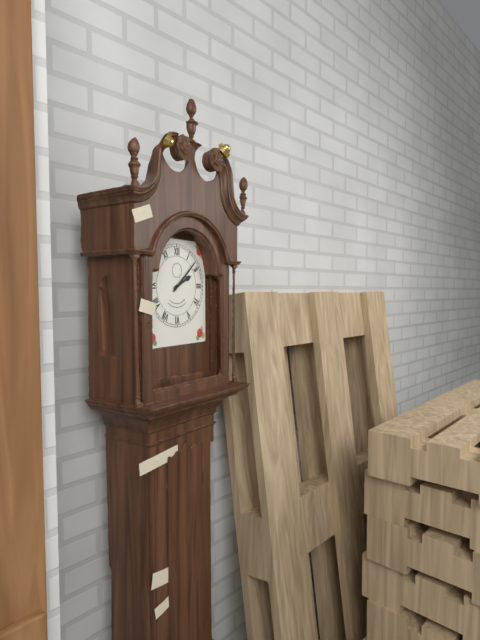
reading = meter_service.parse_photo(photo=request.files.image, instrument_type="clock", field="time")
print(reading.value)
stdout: 2:08
